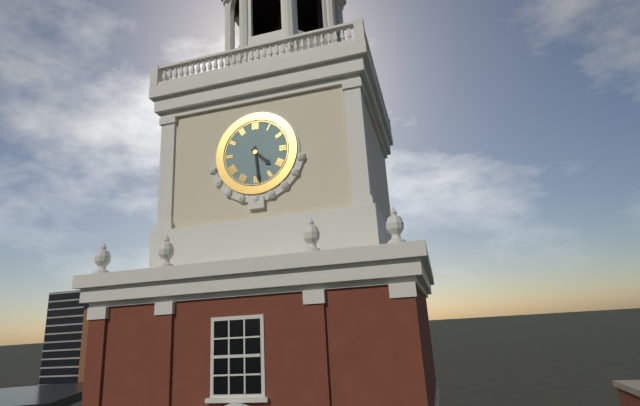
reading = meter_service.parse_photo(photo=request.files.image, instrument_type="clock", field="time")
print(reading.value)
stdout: 4:29
